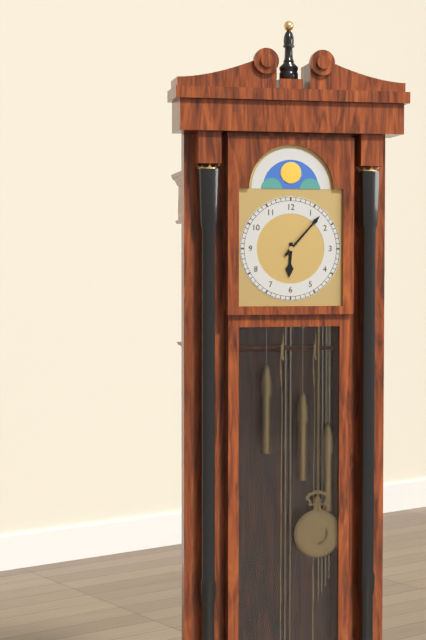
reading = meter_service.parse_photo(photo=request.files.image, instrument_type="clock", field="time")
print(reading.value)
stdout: 6:07
